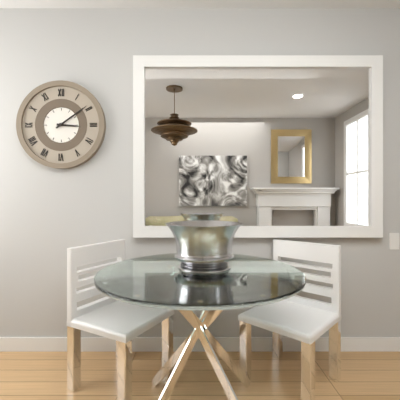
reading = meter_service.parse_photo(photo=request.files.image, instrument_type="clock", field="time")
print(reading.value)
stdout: 3:09
